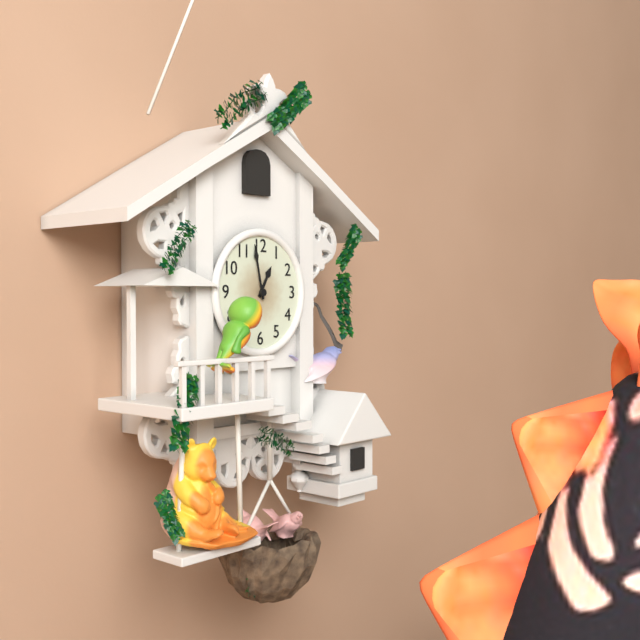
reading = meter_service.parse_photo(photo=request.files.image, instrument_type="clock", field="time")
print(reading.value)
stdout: 12:58
